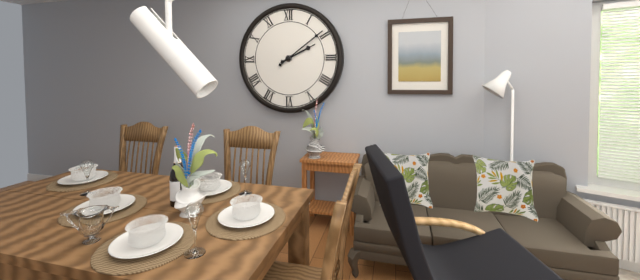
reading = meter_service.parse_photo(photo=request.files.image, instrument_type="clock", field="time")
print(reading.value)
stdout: 2:09
